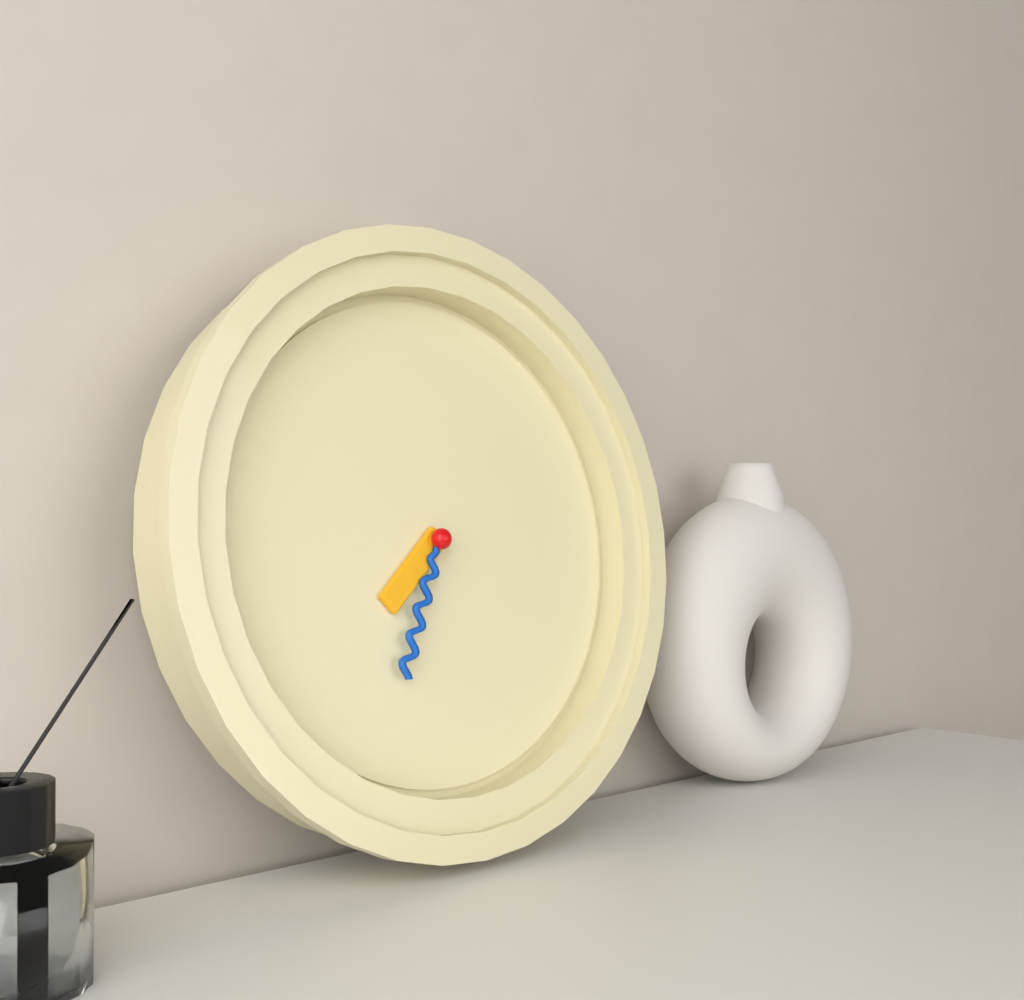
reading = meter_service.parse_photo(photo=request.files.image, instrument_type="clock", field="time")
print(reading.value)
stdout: 7:34
